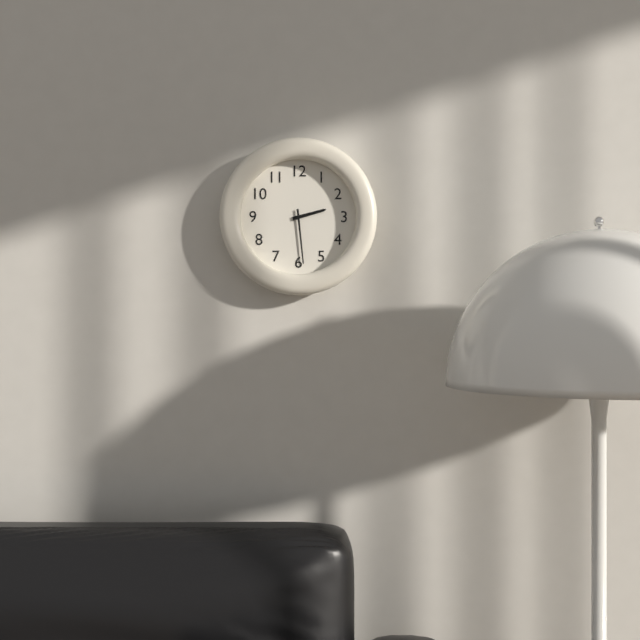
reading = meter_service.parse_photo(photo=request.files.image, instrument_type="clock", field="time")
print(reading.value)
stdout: 2:29
